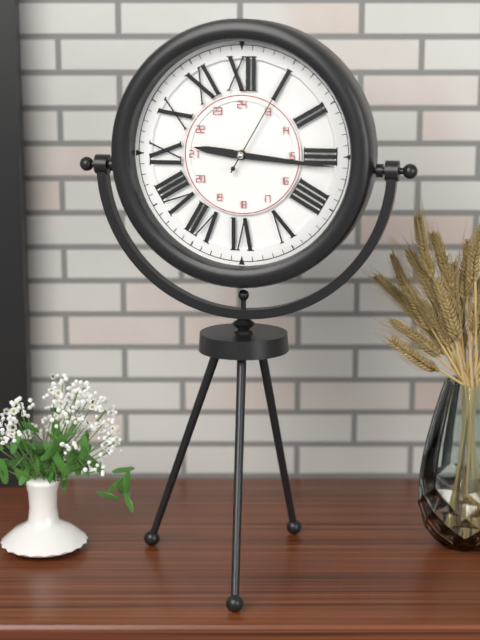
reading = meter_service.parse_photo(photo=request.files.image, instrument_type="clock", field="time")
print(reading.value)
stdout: 9:16:05
